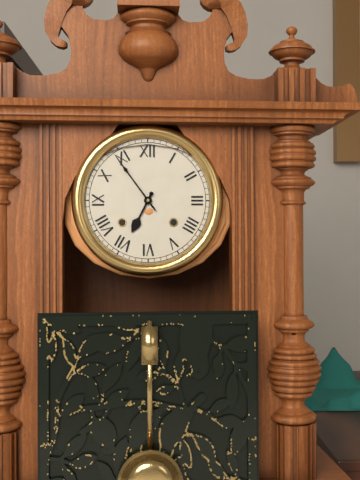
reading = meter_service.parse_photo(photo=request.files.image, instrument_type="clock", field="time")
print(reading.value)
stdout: 6:54
